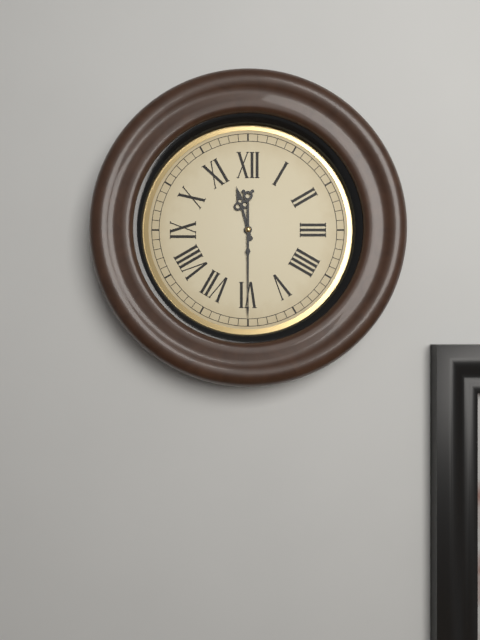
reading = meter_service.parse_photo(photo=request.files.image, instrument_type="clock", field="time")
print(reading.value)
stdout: 11:30
